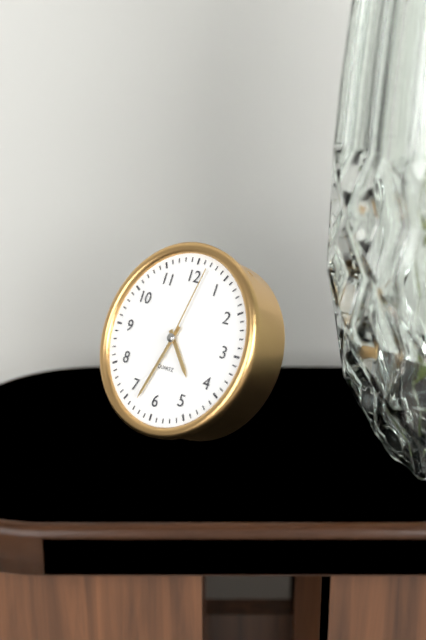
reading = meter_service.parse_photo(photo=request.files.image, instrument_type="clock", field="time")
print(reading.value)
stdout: 4:33:02
